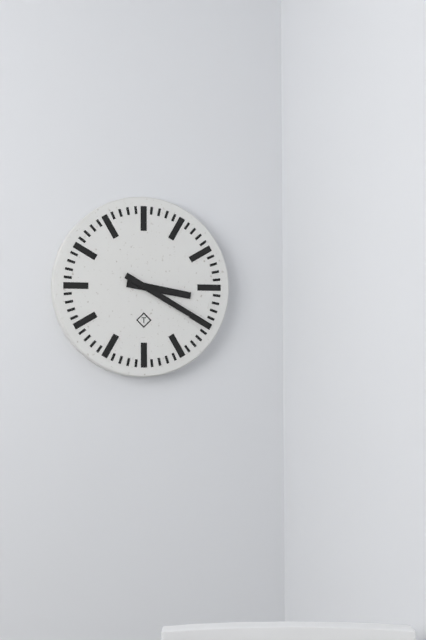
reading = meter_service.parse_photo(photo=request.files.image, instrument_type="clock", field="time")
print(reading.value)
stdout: 3:20
